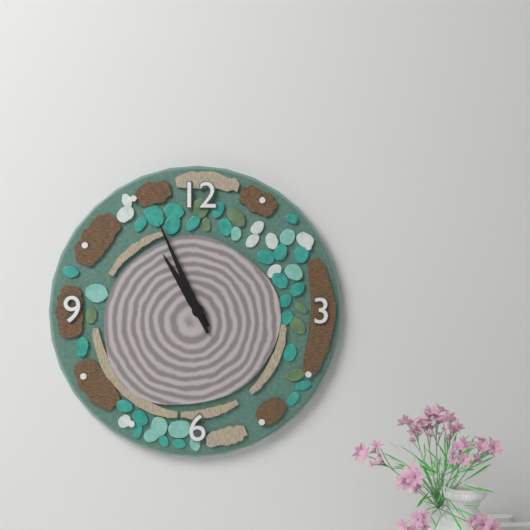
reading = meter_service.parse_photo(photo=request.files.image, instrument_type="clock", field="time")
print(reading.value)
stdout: 10:56
